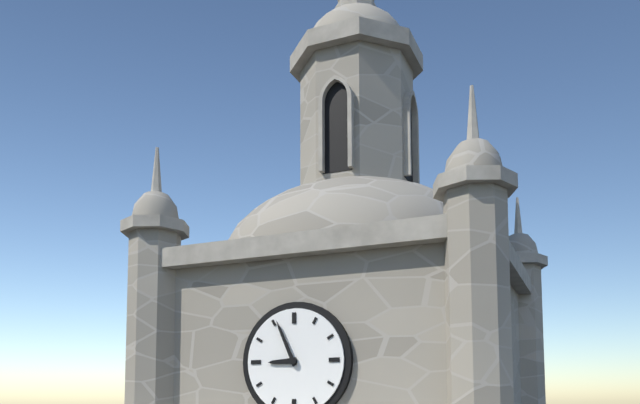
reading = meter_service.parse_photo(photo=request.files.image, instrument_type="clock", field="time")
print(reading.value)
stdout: 8:56
